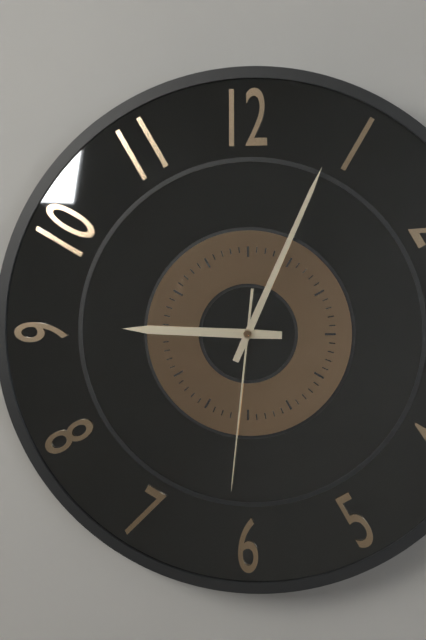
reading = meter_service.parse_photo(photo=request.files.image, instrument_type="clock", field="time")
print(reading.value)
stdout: 9:04:31
